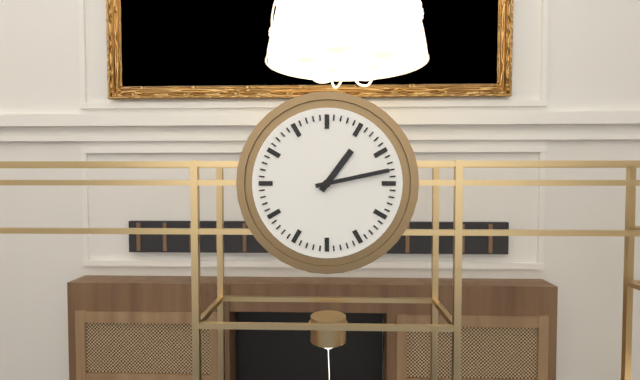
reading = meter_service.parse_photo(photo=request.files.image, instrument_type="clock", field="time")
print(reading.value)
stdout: 1:13
